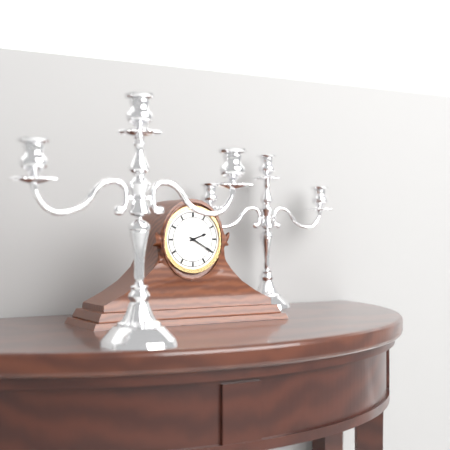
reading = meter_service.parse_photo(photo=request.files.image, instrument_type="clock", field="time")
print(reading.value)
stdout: 2:20
